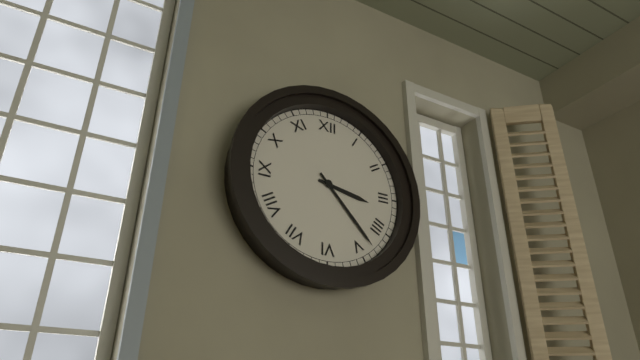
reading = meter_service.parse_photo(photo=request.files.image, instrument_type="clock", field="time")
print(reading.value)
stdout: 3:23
